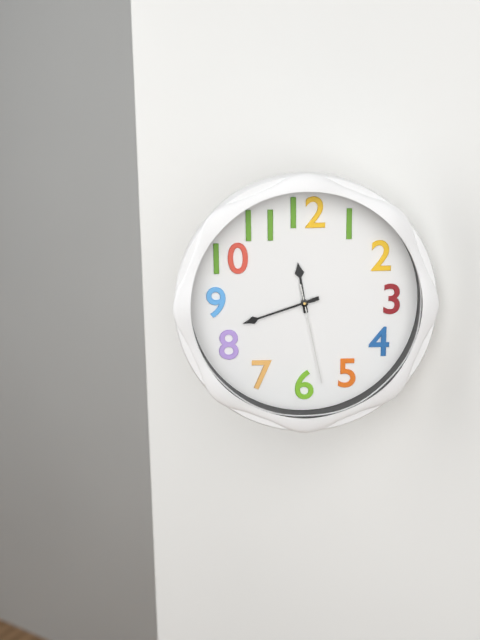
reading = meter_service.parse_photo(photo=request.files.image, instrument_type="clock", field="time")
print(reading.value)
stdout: 11:42:28
